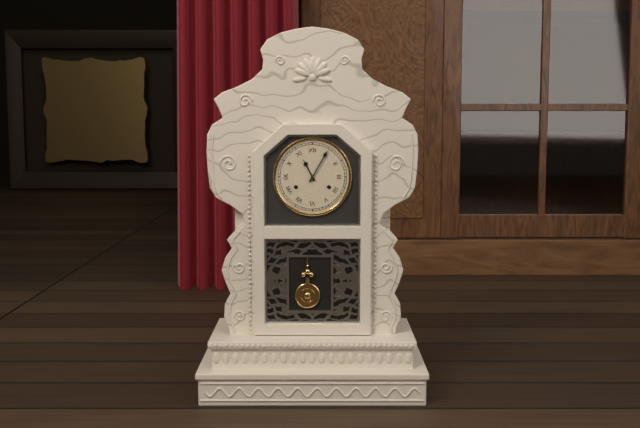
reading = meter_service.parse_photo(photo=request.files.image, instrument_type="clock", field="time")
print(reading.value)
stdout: 11:05
